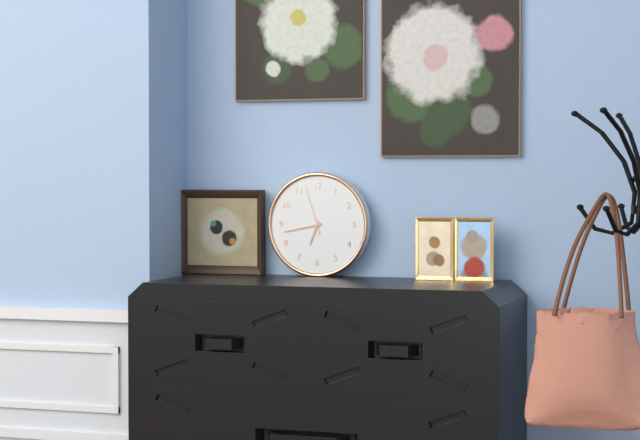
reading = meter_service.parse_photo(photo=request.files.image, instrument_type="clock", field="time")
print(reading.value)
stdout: 6:43
